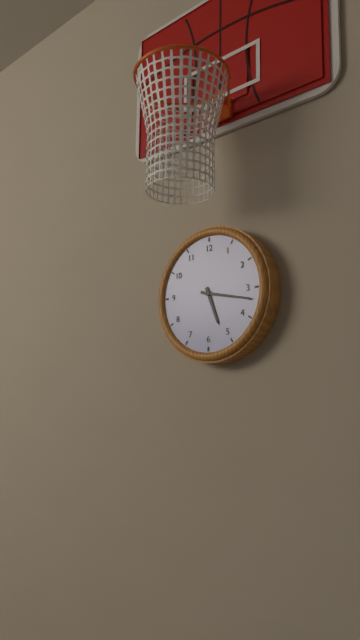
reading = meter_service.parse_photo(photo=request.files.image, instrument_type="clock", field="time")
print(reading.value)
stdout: 5:17
